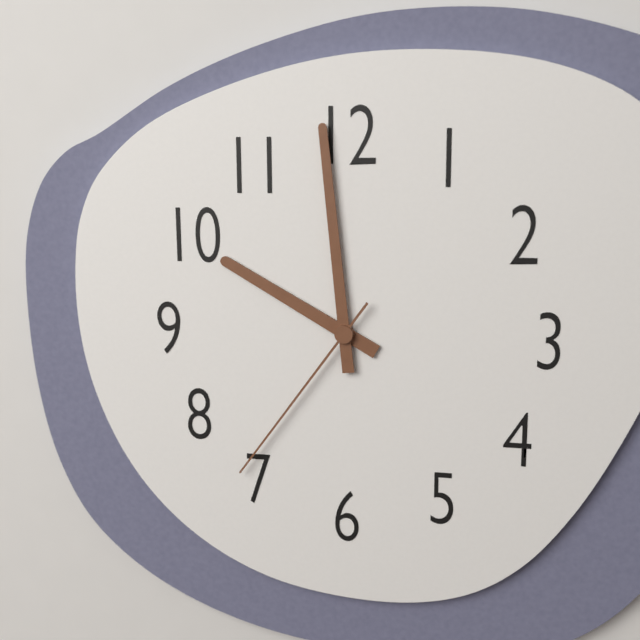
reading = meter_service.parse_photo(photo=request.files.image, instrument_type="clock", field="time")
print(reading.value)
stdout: 9:59:36
